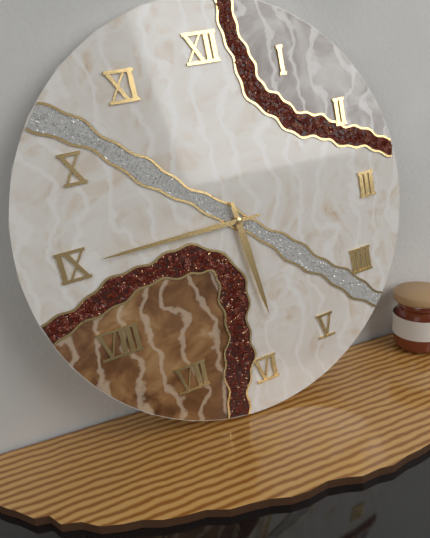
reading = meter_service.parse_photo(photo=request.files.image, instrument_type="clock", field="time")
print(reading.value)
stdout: 5:45
